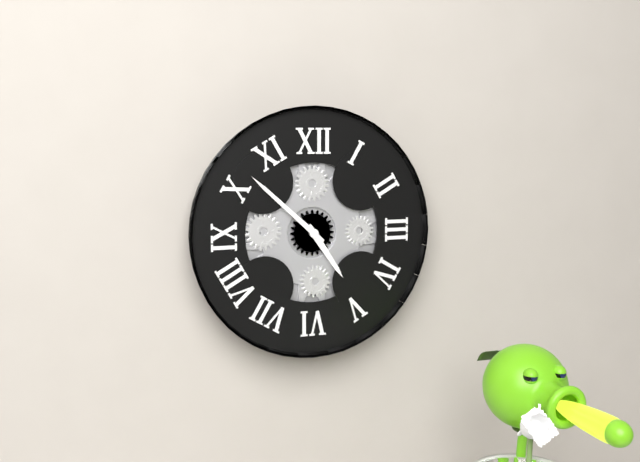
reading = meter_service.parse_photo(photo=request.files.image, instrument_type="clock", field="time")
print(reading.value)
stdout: 4:52
